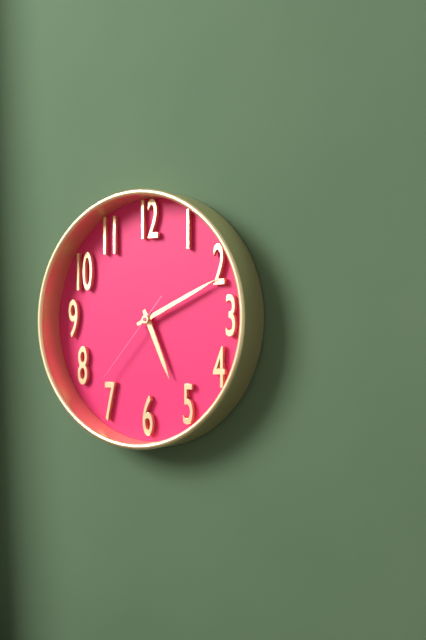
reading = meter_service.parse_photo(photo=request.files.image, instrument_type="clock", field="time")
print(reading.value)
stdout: 5:11:37
